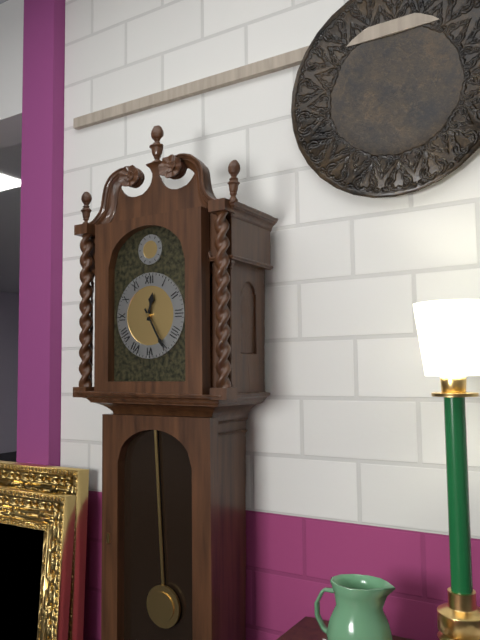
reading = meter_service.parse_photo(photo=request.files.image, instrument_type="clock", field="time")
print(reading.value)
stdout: 12:25
